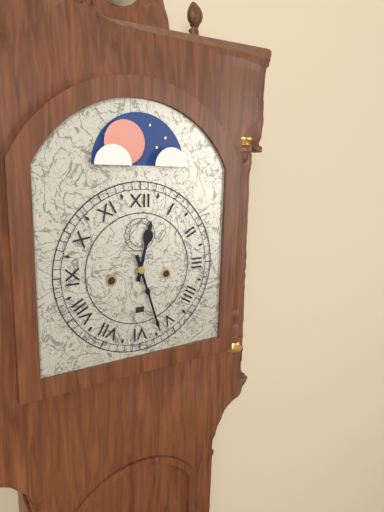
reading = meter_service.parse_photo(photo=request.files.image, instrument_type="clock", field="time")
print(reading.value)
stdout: 12:27
